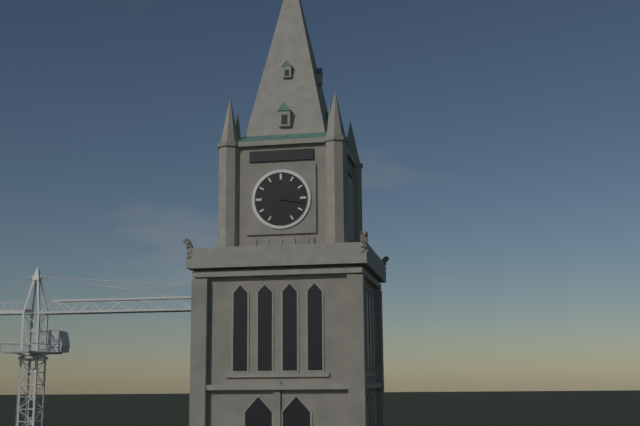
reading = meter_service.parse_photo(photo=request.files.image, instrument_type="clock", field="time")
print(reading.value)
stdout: 3:17
